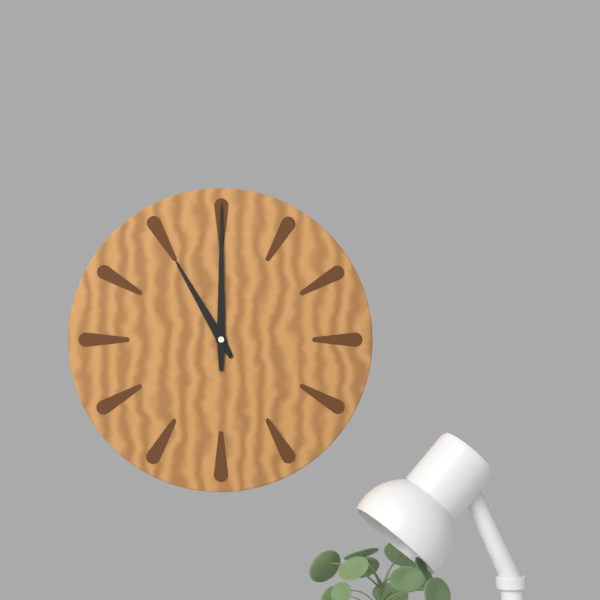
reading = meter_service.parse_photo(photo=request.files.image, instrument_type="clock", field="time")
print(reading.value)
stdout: 11:00
